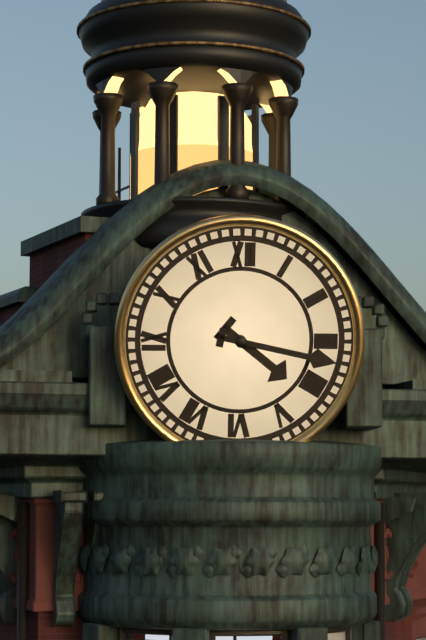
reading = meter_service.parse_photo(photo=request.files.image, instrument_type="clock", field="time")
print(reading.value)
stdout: 4:17
